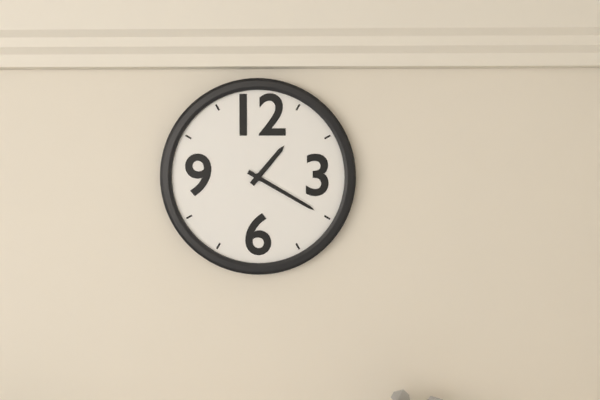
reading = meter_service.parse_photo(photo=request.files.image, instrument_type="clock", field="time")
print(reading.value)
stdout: 1:20
